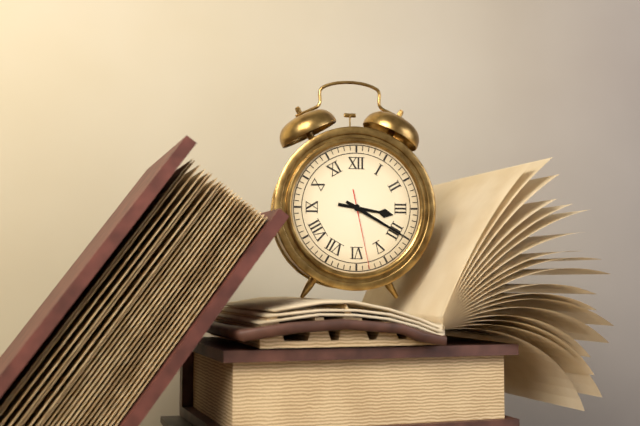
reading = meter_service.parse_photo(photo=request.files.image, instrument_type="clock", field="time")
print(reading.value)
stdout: 3:20:28
